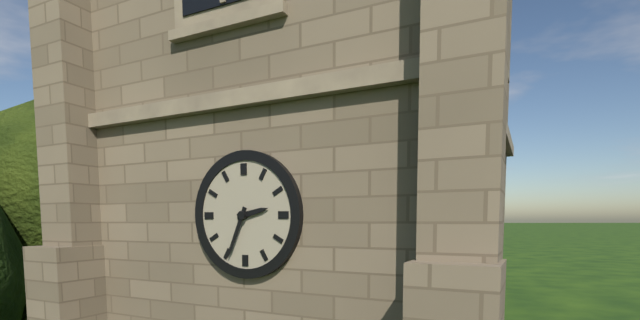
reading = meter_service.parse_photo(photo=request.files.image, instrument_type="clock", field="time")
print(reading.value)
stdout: 2:34
